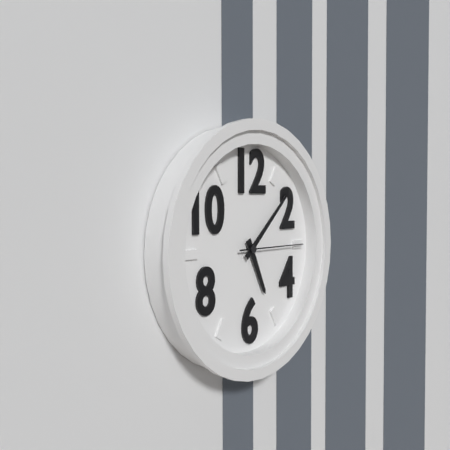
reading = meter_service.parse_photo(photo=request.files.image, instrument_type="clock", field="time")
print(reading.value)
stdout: 5:08:15
